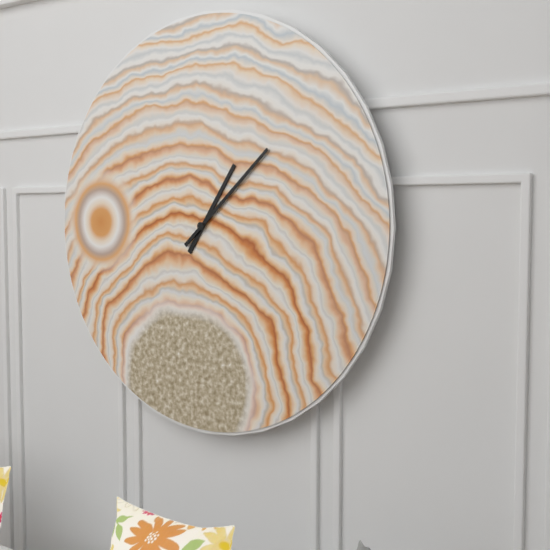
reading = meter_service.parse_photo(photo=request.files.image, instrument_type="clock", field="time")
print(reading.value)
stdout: 1:08
